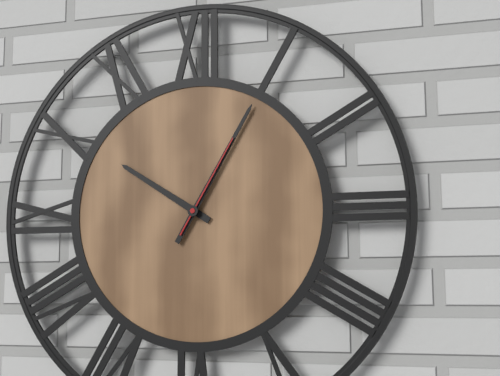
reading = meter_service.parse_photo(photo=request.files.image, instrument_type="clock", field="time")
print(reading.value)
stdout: 10:05:05
